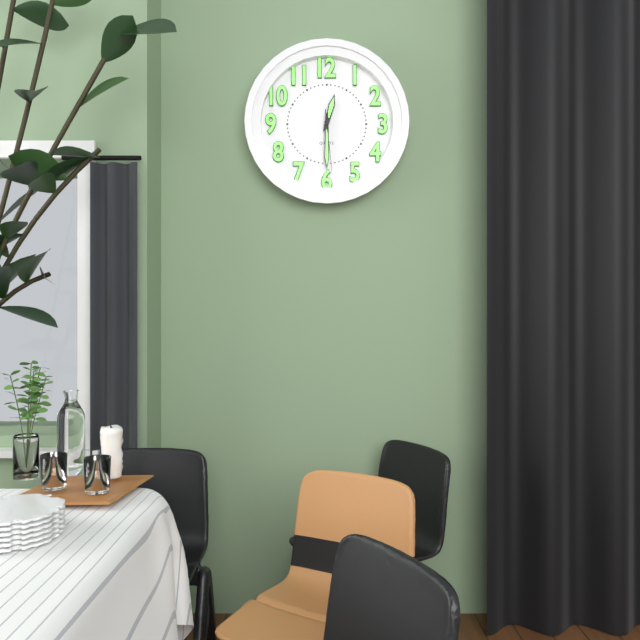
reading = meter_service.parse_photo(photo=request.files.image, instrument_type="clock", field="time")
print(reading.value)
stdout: 12:30:29
